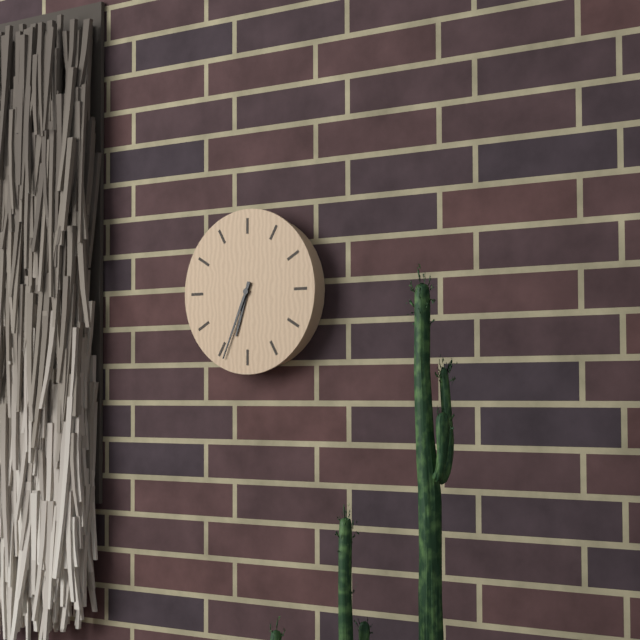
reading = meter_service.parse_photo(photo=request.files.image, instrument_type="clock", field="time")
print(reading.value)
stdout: 6:34
